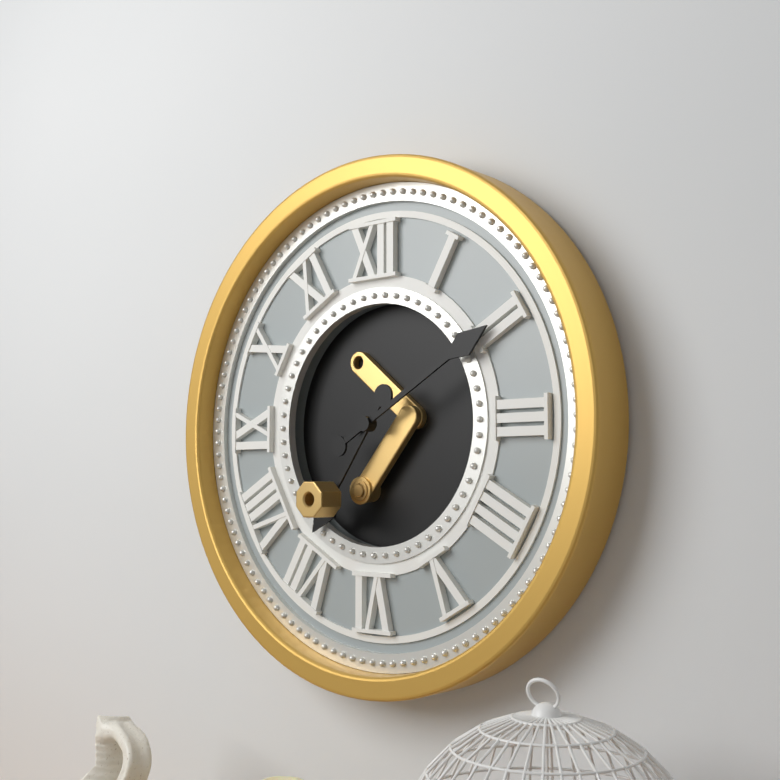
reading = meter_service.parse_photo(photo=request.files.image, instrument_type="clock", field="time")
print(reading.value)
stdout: 7:10
